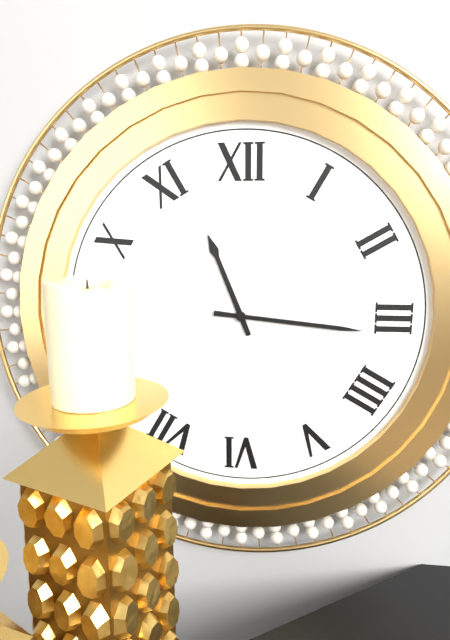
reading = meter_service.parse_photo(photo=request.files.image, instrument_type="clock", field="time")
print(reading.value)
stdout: 11:16
